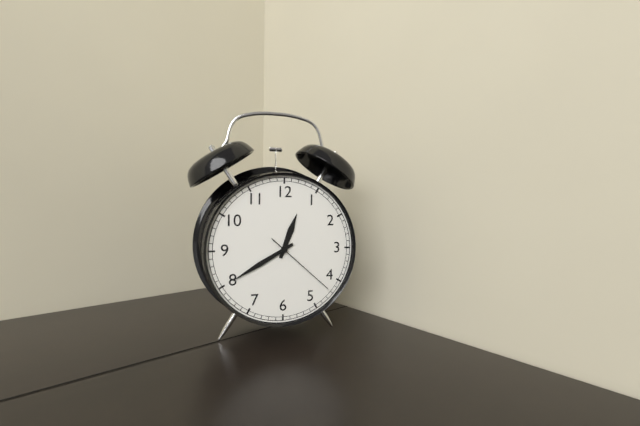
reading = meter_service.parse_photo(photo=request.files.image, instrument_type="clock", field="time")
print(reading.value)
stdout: 12:40:22
